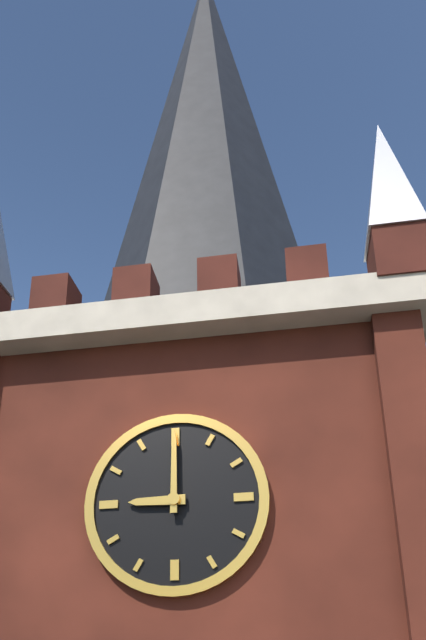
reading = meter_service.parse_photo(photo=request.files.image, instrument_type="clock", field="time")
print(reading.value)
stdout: 9:00
